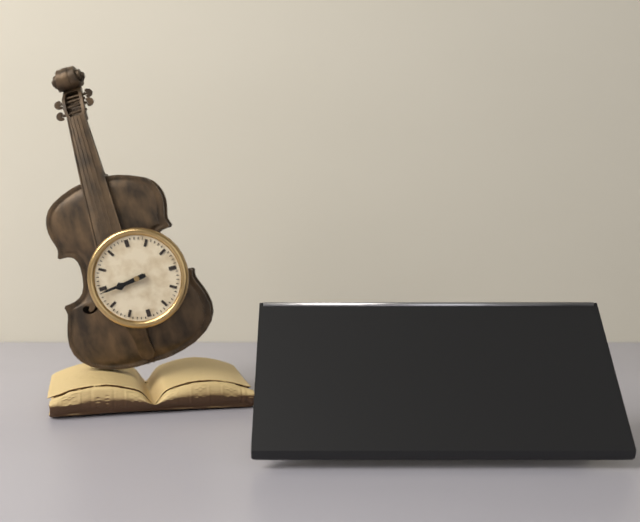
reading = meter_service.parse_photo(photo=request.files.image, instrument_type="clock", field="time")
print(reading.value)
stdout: 8:44
